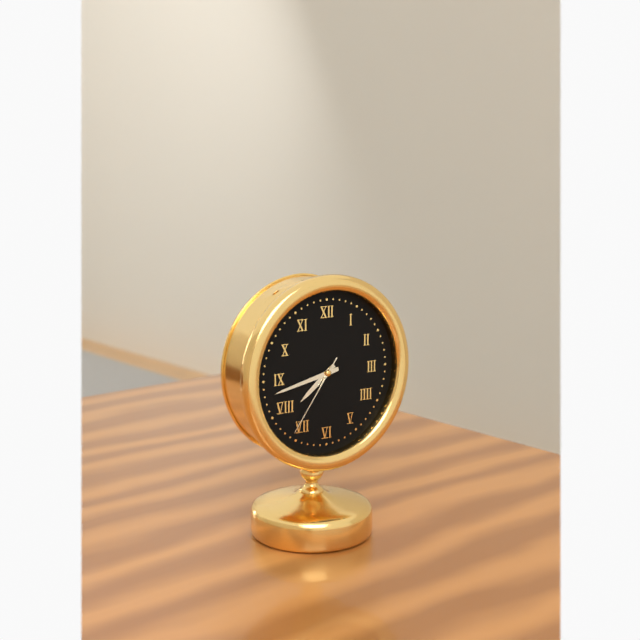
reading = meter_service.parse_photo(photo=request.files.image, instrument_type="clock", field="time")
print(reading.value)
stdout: 7:43:36
